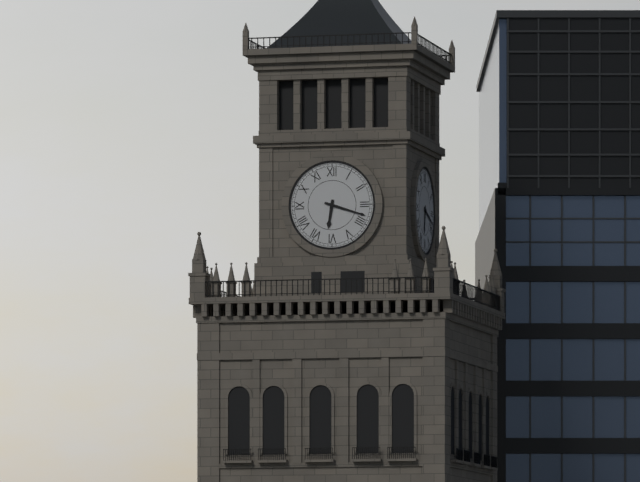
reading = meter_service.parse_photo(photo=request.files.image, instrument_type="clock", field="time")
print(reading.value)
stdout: 6:18
